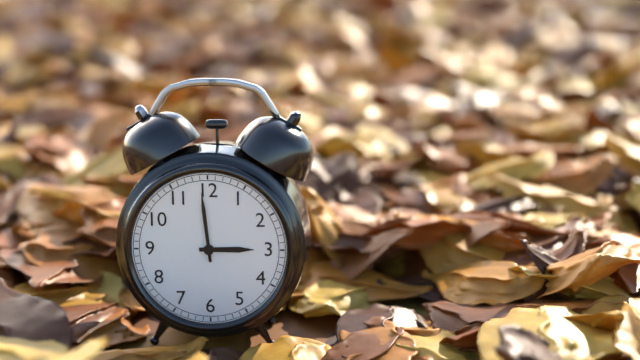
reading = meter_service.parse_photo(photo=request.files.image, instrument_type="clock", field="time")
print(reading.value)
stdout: 2:59
